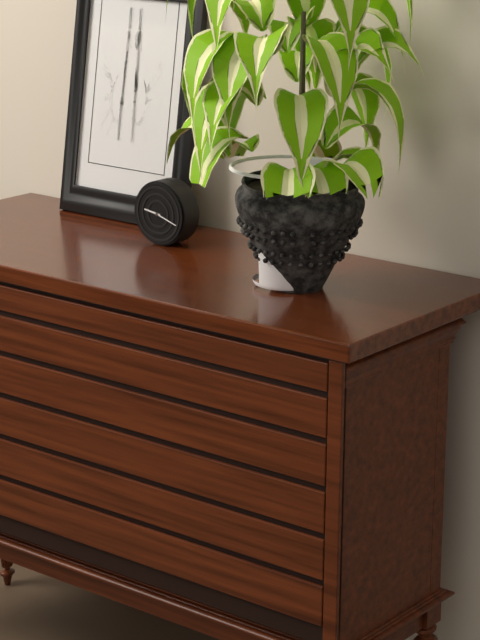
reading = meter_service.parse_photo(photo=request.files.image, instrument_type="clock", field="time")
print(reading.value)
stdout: 9:18
